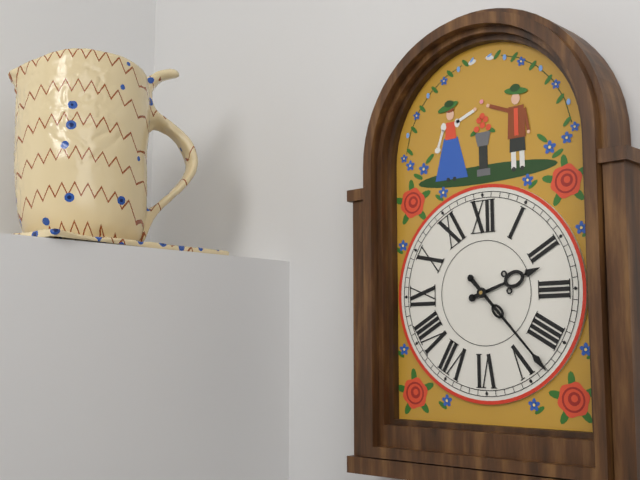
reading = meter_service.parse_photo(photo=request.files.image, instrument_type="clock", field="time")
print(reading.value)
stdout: 2:23
